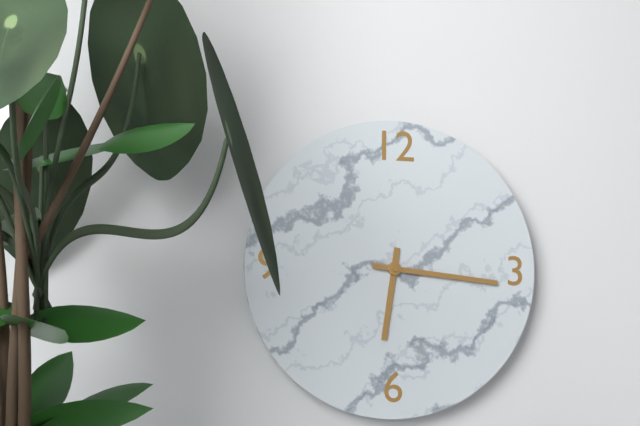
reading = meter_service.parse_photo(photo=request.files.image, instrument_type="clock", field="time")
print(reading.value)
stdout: 6:16
